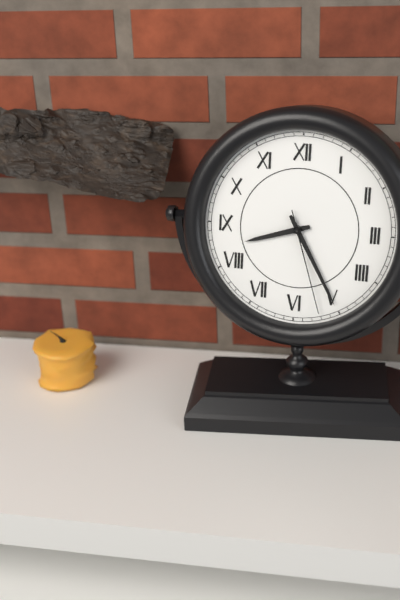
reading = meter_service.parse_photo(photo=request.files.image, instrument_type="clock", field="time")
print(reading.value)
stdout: 8:25:27
